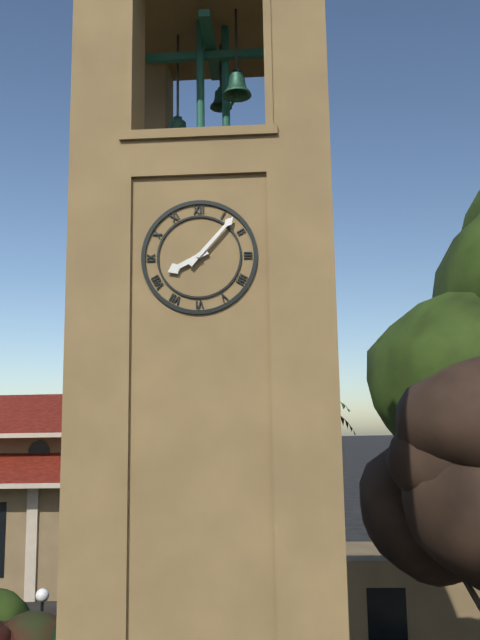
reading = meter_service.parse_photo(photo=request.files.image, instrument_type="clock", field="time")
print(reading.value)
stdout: 8:07
